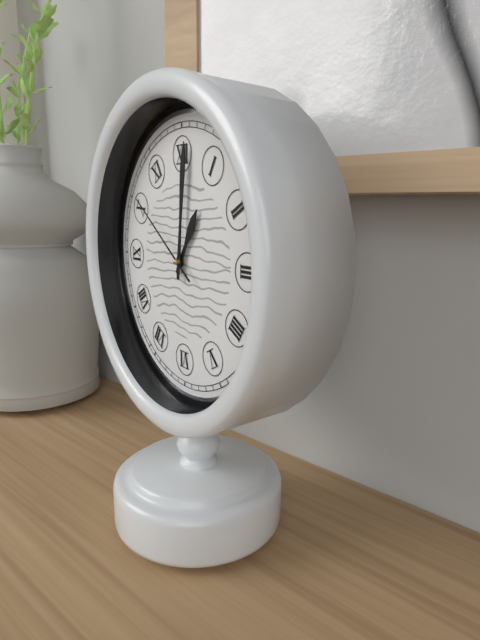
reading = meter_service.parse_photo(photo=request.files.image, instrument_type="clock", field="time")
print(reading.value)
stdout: 1:01:51
